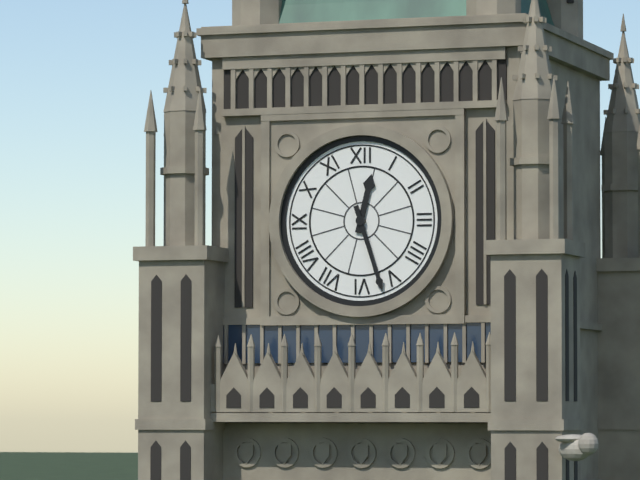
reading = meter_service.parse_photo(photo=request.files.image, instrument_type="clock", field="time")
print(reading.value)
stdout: 12:27
